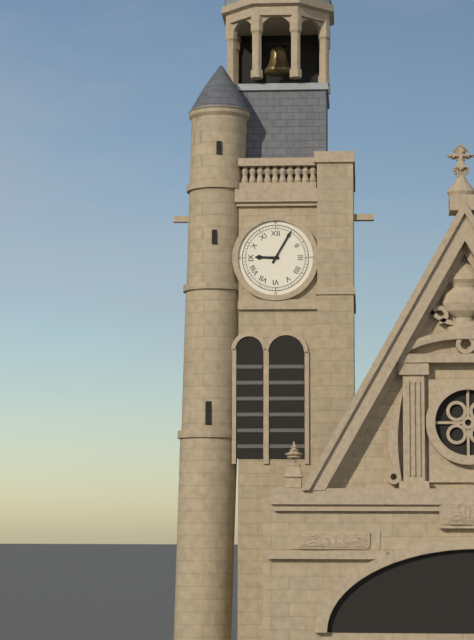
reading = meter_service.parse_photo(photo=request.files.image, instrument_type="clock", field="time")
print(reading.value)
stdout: 9:05
